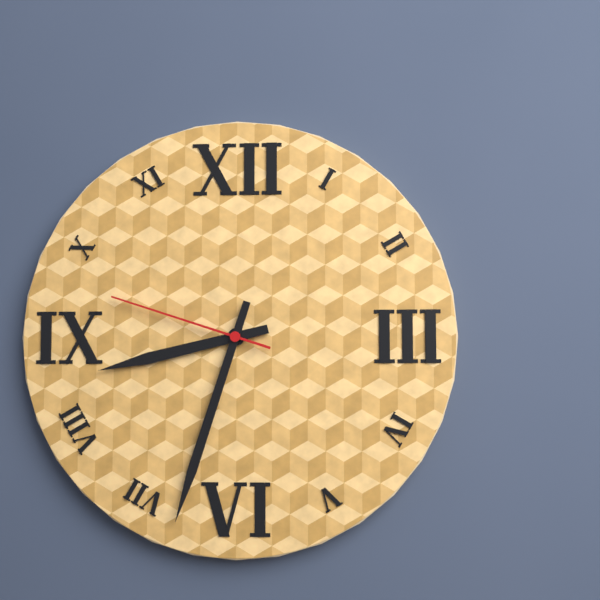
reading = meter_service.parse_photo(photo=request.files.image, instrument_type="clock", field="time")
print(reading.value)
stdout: 8:33:48
